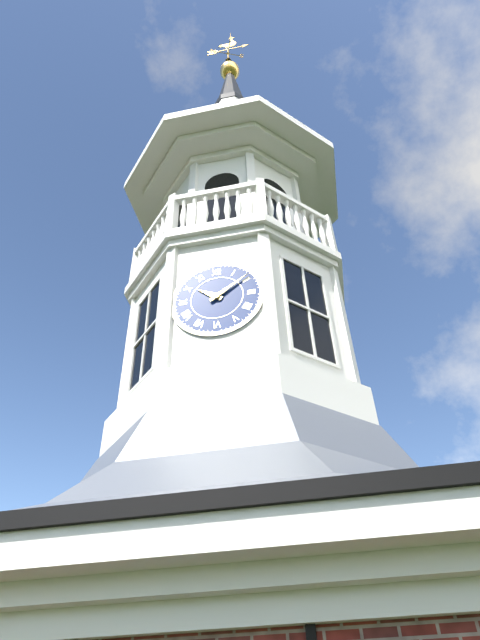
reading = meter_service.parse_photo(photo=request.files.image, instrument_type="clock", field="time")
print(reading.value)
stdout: 10:09
